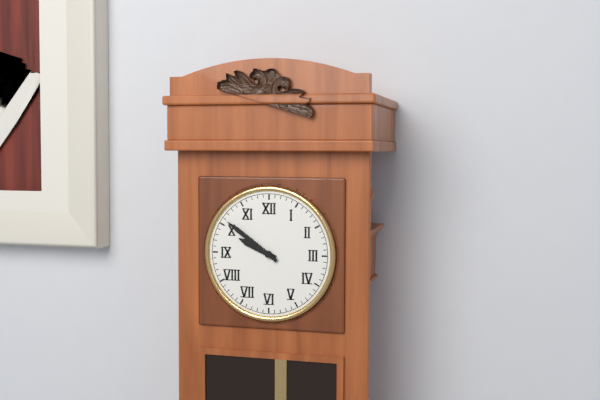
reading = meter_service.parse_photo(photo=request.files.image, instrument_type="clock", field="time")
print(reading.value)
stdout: 9:51
